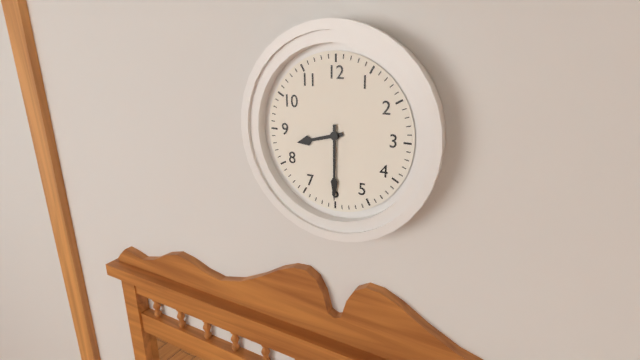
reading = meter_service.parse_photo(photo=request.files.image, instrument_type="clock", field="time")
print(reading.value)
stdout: 8:30
